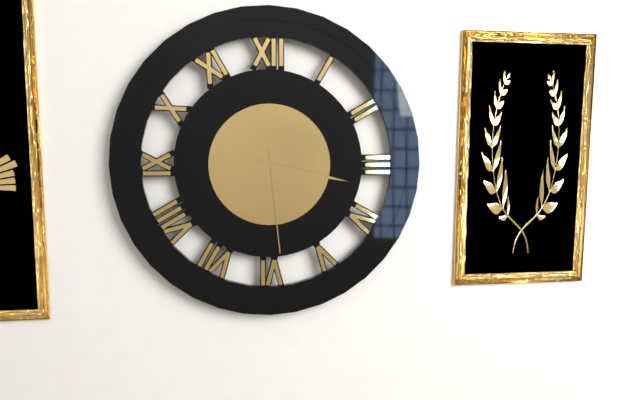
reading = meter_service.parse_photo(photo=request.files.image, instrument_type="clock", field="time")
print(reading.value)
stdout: 4:17:29
